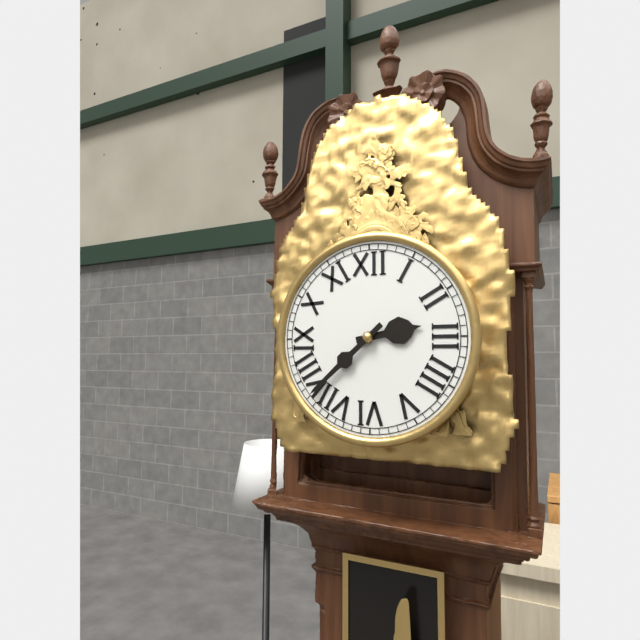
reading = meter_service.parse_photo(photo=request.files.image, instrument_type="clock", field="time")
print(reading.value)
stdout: 2:38
